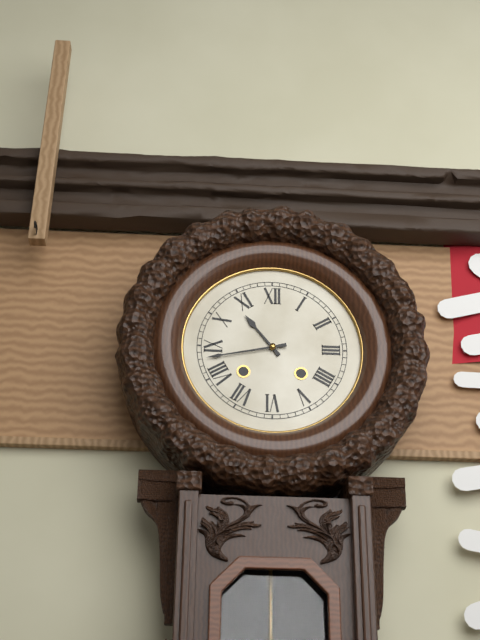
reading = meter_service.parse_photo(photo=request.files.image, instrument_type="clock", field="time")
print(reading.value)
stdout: 10:43
